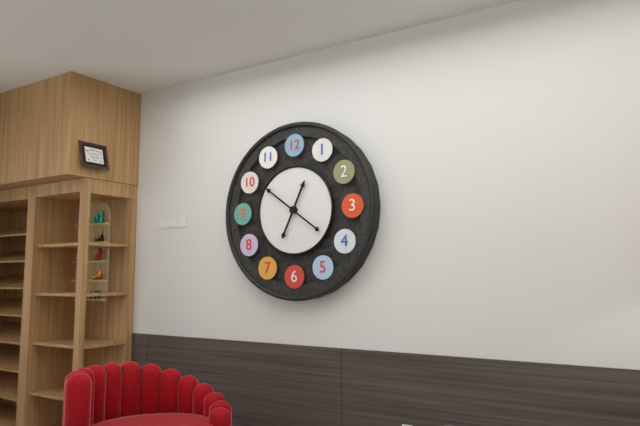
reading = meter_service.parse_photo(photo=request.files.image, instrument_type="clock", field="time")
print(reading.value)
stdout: 12:51
